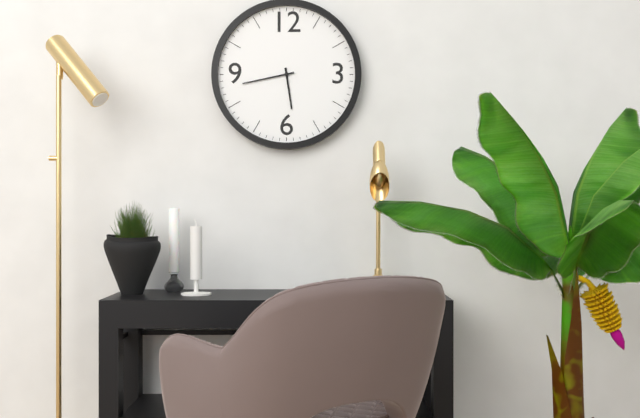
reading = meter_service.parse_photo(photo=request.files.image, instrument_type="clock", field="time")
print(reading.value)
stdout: 5:43
